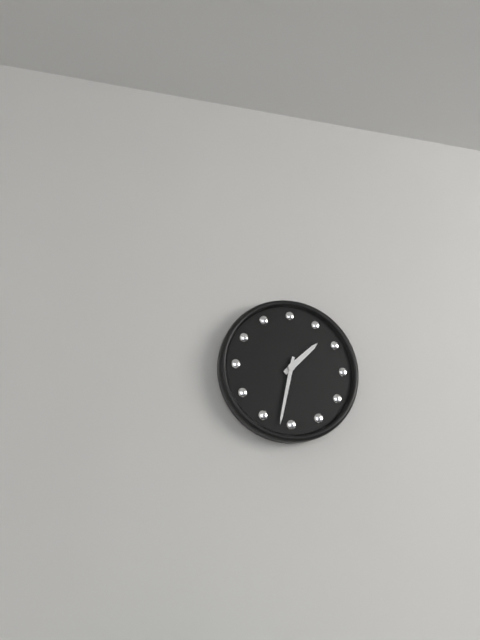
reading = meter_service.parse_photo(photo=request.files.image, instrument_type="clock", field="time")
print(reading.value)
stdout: 1:32
